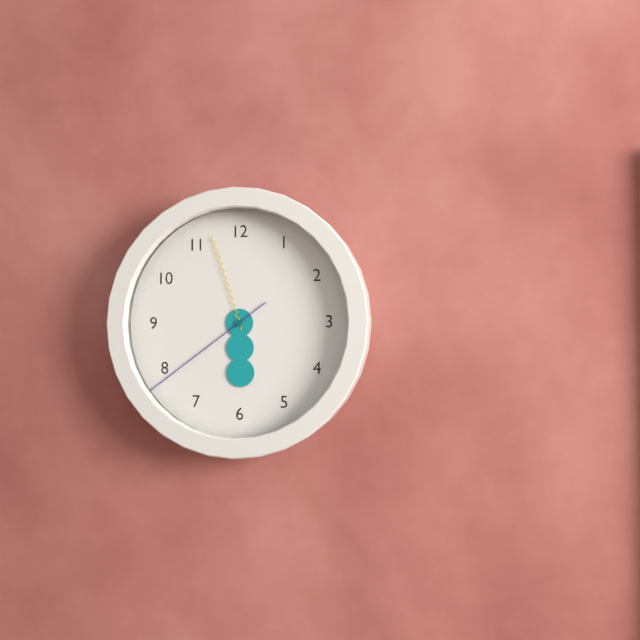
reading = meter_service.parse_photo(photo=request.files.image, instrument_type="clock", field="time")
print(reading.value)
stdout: 5:57:39
